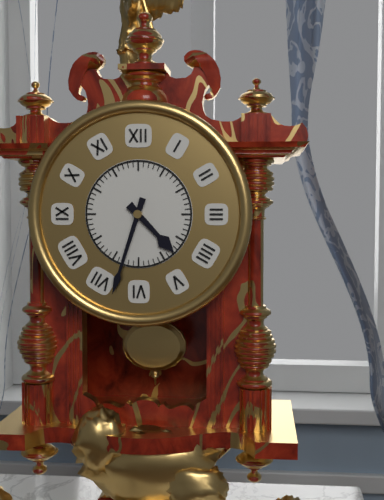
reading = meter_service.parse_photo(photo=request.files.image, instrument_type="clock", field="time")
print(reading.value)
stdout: 4:33
